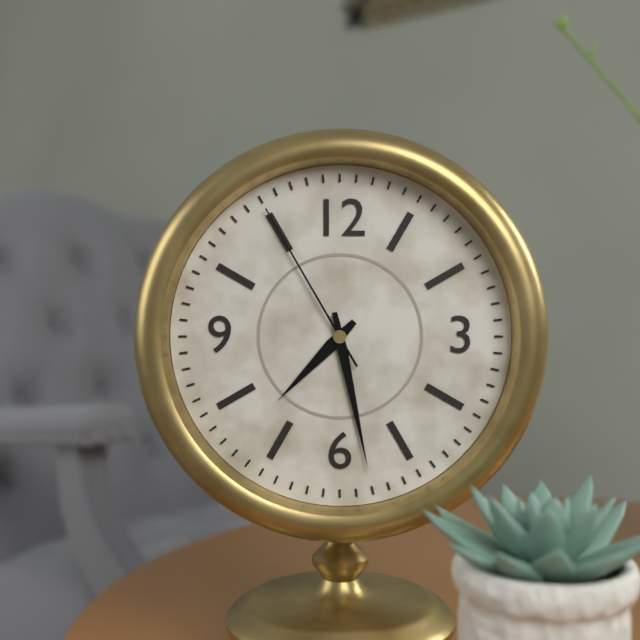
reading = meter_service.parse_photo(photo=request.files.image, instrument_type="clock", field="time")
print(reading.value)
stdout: 7:28:55
